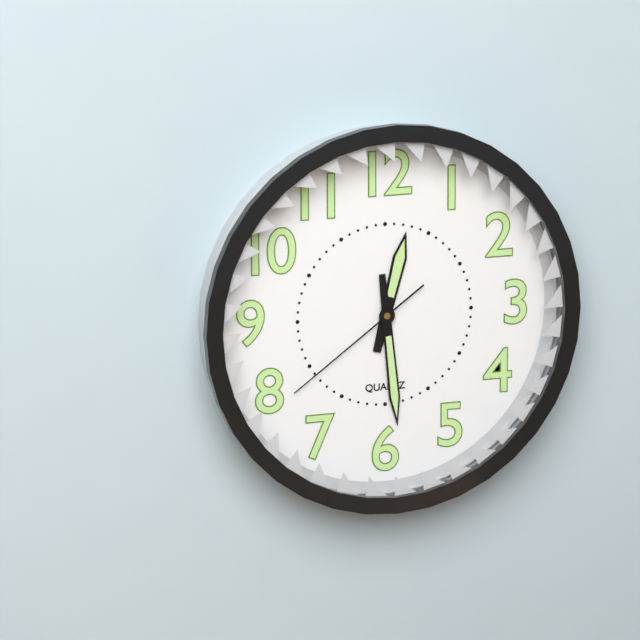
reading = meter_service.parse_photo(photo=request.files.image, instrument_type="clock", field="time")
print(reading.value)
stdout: 12:29:39
